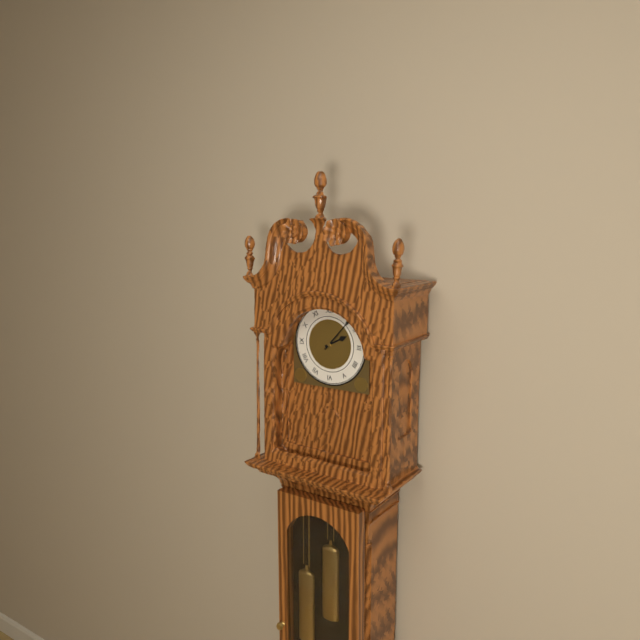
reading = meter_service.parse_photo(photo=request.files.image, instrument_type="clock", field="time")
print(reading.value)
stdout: 2:07
